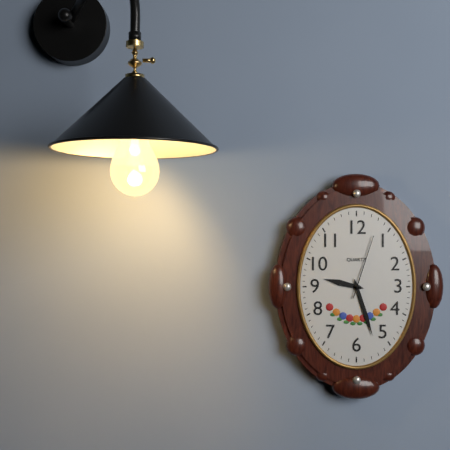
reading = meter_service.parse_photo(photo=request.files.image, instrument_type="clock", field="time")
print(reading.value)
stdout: 9:27:03
